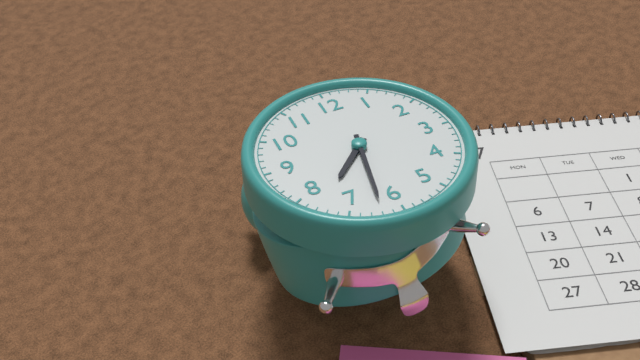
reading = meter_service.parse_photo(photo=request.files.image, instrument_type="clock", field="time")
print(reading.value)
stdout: 7:32
